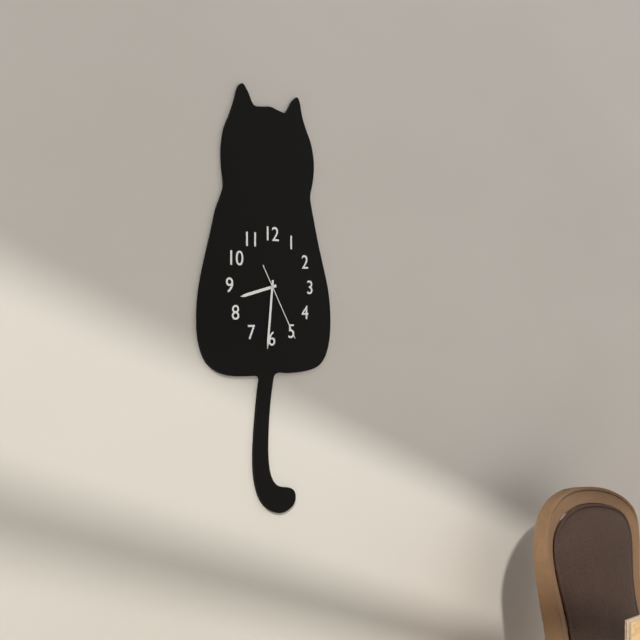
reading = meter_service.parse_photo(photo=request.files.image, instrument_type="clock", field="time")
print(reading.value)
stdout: 8:31:25
